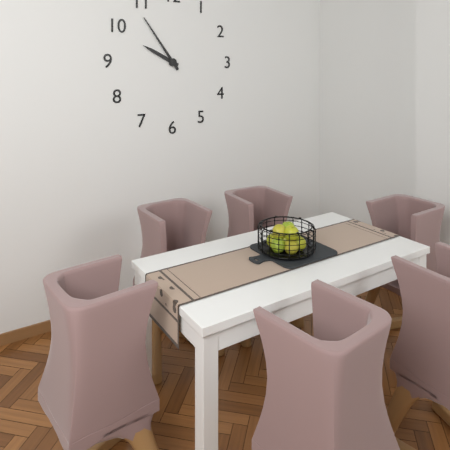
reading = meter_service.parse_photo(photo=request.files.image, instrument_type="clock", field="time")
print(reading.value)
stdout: 9:54
